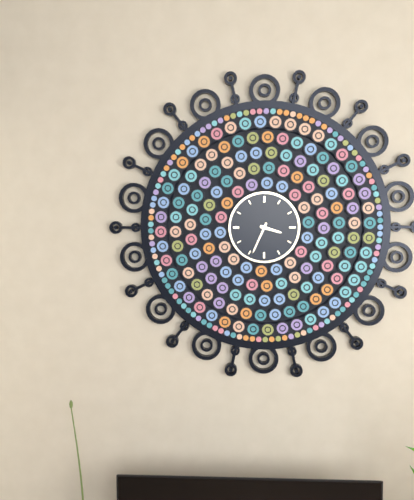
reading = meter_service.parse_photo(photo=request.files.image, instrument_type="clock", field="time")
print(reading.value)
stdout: 3:34
